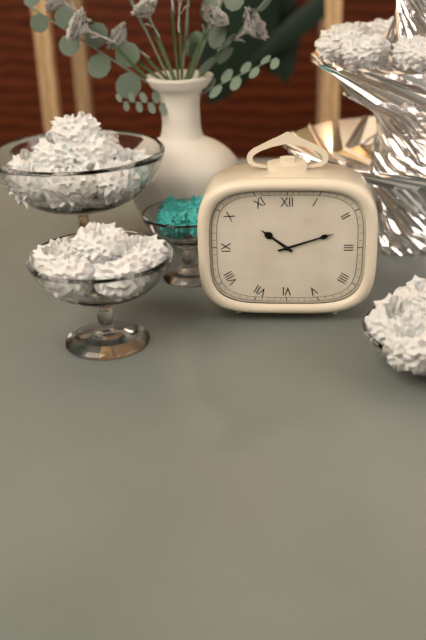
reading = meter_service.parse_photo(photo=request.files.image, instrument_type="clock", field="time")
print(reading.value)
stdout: 10:12
